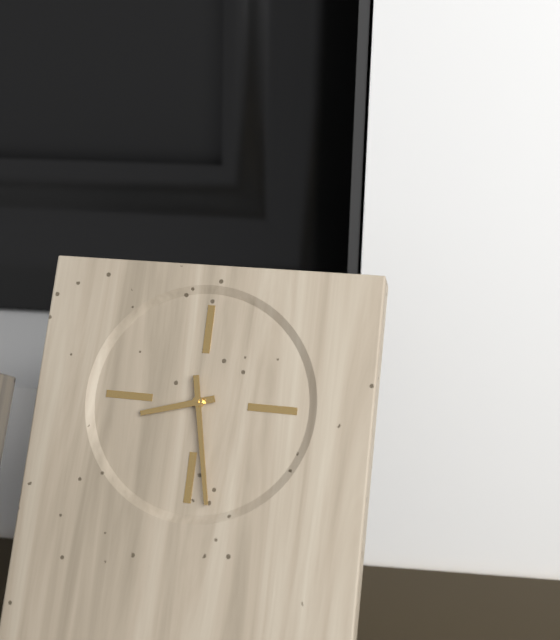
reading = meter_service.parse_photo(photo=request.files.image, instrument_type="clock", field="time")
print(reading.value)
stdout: 8:28
